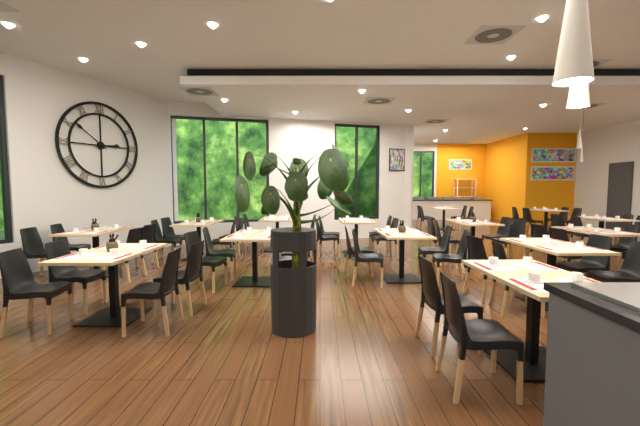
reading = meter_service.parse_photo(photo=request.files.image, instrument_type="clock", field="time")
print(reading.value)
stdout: 2:51
